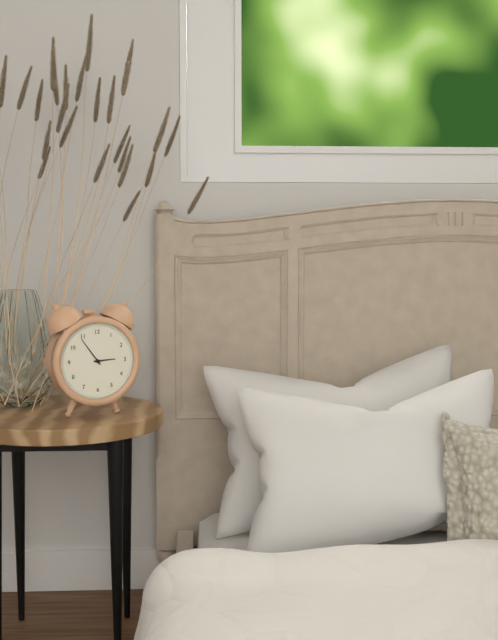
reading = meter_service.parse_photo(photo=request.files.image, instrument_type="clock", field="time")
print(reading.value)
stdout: 2:54
